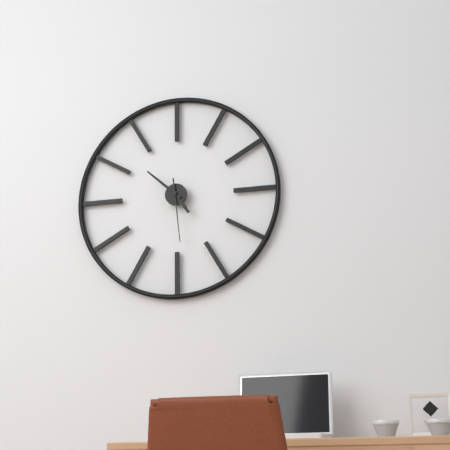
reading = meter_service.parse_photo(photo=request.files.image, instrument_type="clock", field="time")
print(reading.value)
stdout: 4:52:29
